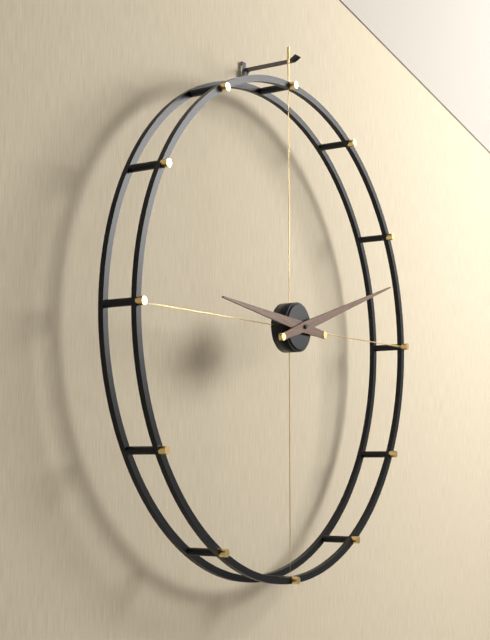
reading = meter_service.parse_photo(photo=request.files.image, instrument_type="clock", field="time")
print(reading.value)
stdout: 9:12
